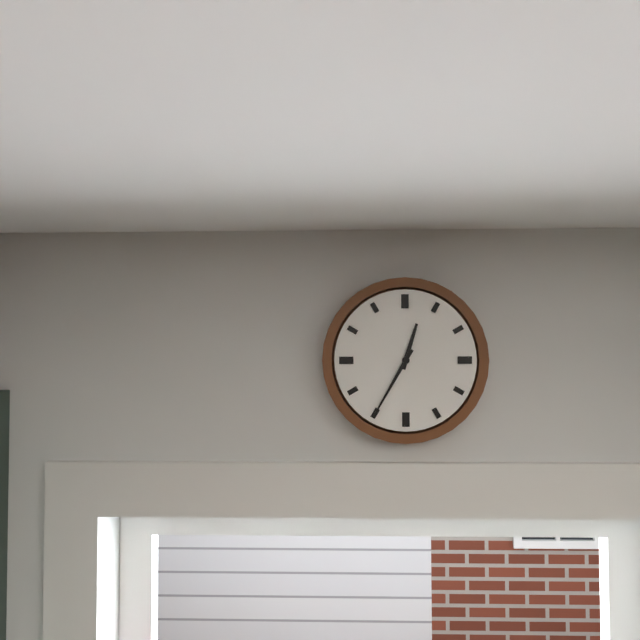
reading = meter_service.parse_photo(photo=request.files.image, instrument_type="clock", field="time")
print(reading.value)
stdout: 12:35
